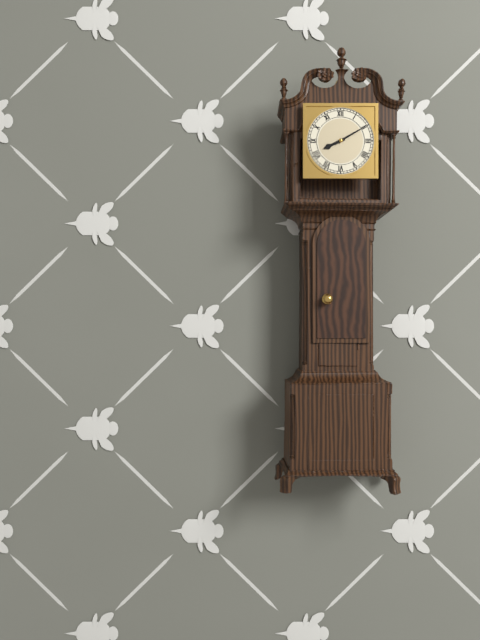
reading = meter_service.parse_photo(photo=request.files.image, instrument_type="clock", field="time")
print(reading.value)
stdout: 8:10
